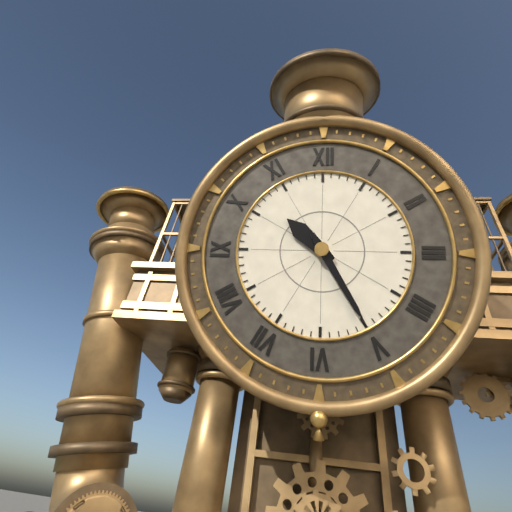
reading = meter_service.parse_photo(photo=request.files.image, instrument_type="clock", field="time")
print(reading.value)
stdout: 10:25
